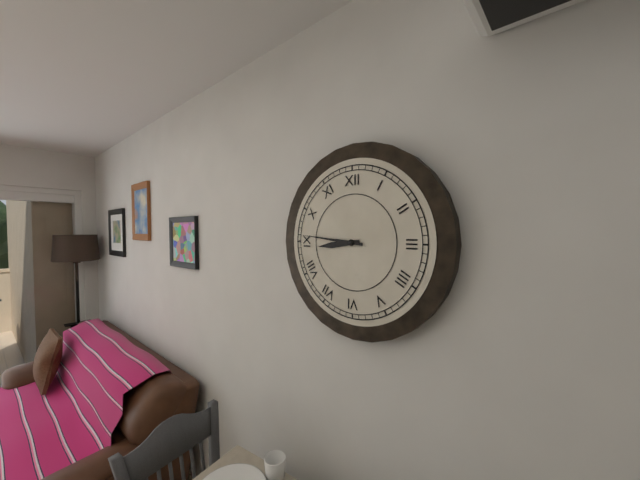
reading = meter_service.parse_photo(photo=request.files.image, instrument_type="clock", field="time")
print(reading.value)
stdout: 8:46
